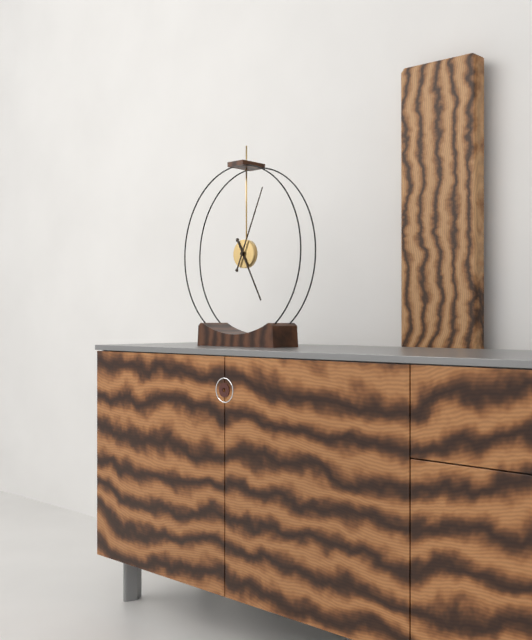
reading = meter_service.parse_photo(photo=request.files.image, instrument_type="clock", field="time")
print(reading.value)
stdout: 5:04
